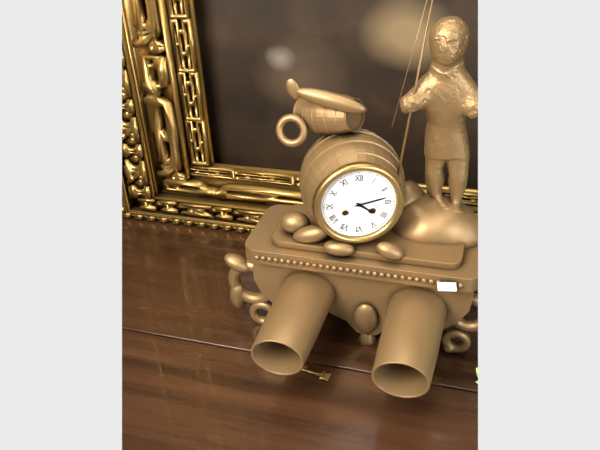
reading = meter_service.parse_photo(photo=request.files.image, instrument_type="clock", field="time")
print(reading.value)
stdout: 4:13
